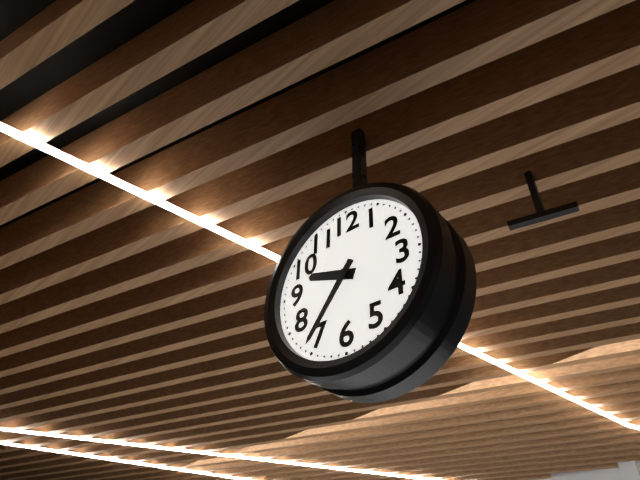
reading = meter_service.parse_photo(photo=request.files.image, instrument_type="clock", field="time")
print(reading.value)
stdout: 9:36
